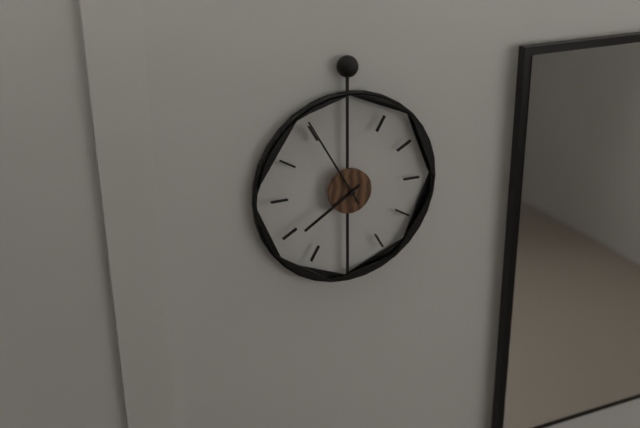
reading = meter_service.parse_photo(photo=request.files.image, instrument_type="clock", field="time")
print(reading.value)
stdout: 7:55
